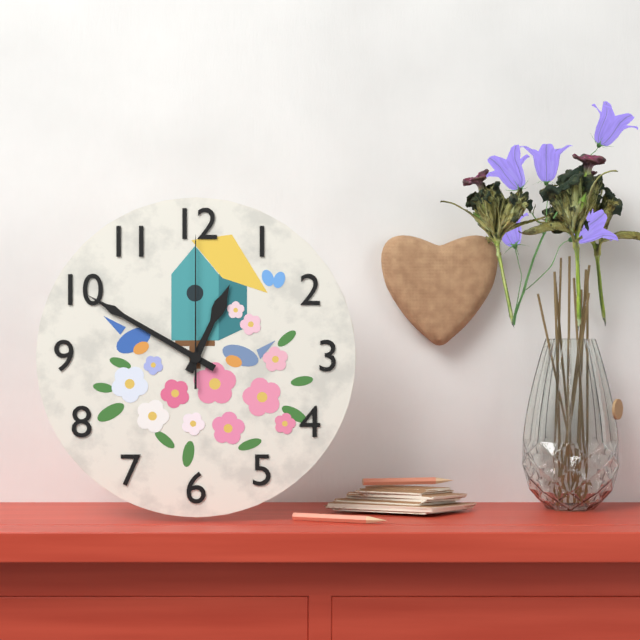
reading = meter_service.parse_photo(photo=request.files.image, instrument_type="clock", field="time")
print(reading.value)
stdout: 12:50:00
